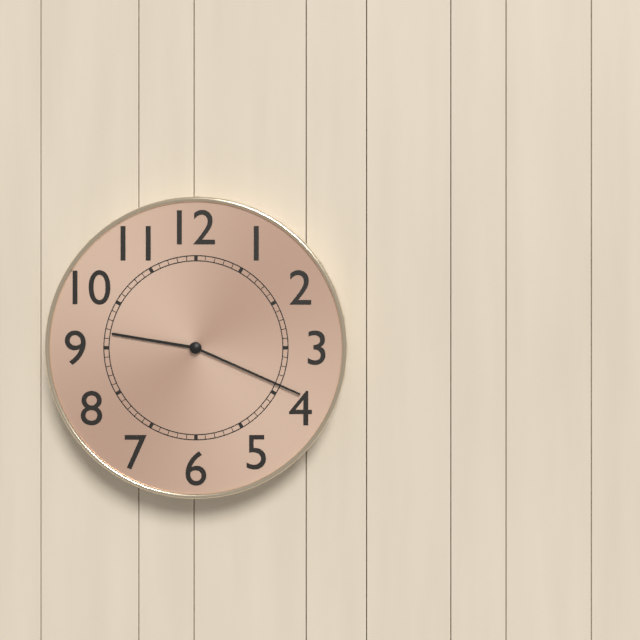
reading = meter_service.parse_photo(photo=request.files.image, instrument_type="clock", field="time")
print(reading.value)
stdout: 9:19
